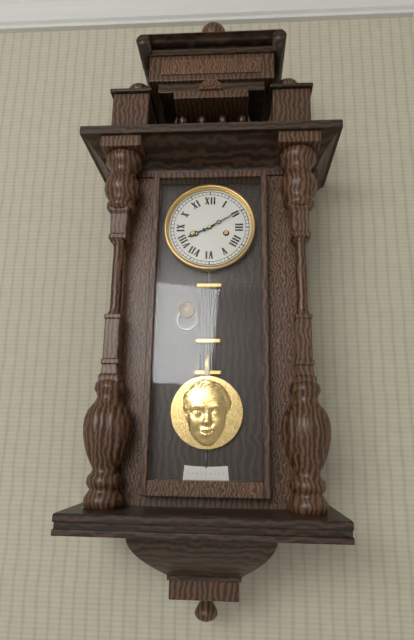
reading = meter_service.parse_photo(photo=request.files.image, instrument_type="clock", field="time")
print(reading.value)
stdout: 8:10
